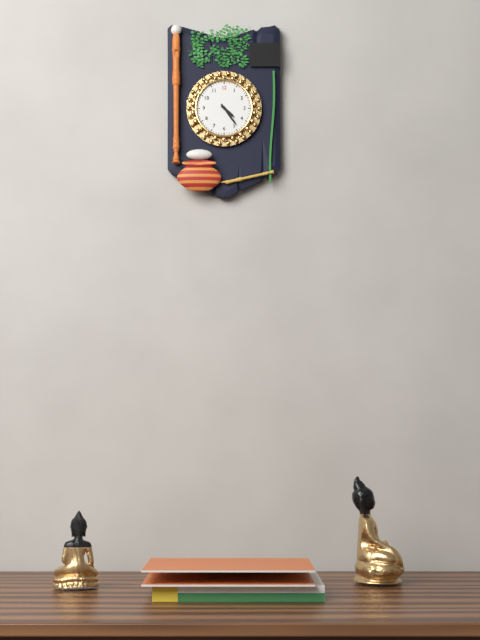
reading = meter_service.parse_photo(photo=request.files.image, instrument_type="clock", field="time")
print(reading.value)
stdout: 4:24
